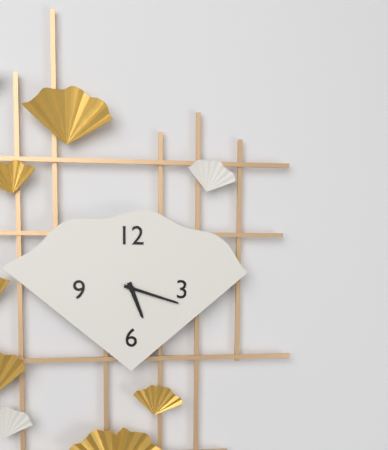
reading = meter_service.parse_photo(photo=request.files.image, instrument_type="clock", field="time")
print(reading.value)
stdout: 5:18
